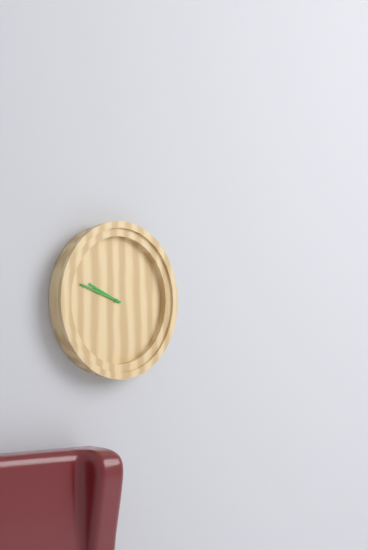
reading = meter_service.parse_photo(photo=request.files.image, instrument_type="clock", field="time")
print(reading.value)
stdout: 9:48
